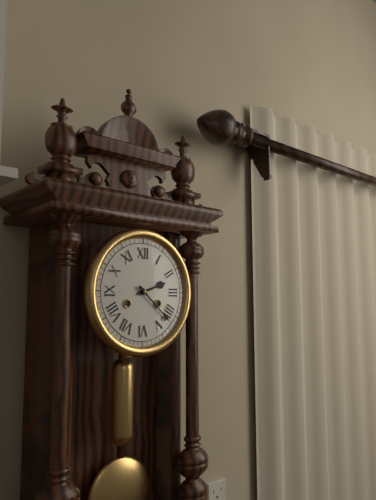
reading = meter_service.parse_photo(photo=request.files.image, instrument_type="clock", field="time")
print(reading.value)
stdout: 2:22
